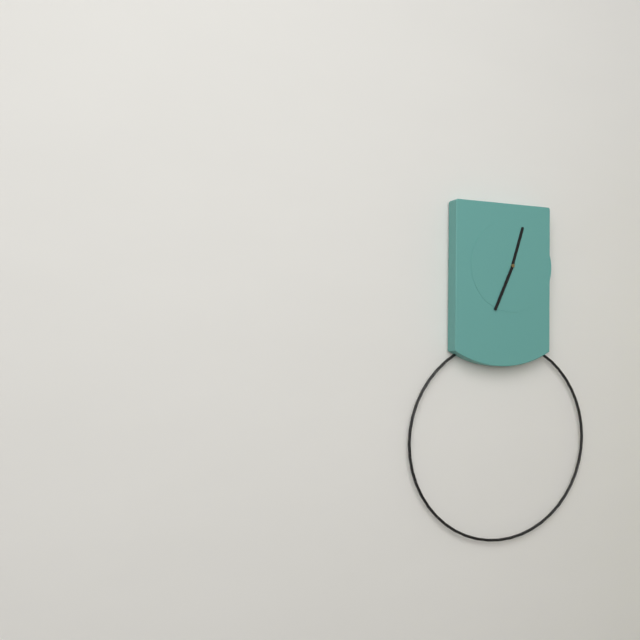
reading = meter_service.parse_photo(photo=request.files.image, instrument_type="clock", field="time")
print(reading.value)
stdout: 12:34
